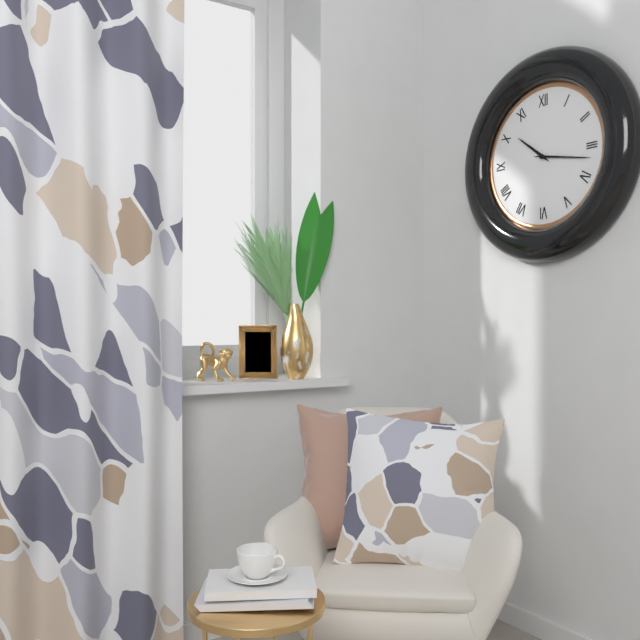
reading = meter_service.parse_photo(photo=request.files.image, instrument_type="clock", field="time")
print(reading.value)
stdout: 10:17
